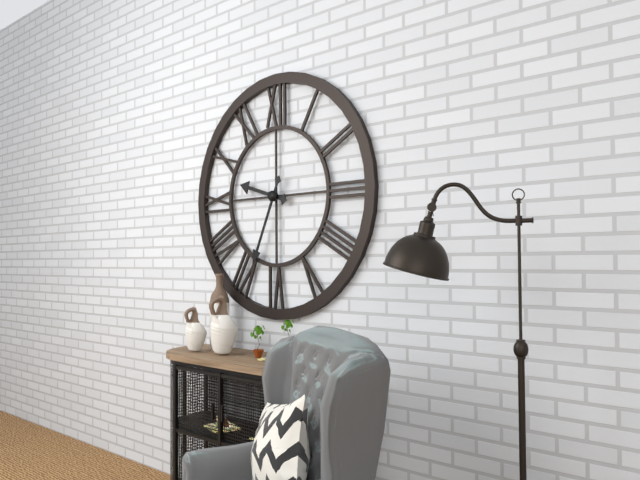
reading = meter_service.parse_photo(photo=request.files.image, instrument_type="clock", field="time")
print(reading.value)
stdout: 9:34
